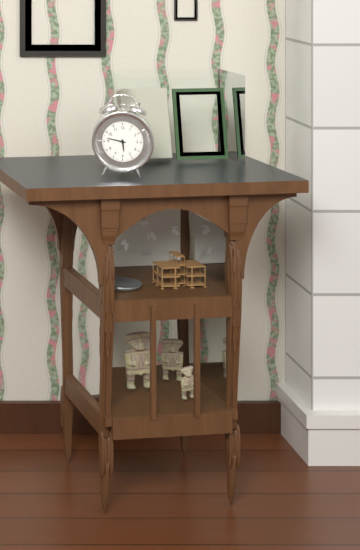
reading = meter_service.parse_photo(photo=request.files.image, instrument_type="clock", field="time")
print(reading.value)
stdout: 5:47
